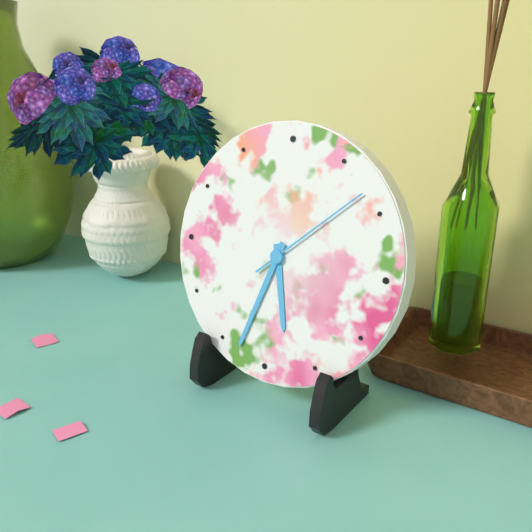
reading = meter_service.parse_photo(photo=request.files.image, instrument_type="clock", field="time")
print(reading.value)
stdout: 5:33:08
